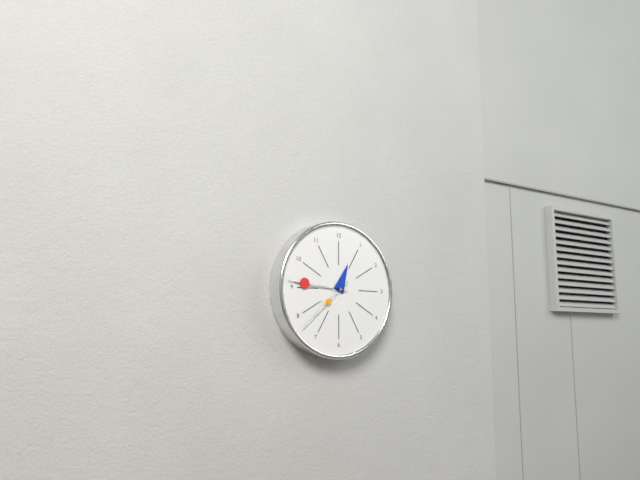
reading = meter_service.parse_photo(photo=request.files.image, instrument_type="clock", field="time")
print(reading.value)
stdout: 12:46:38
